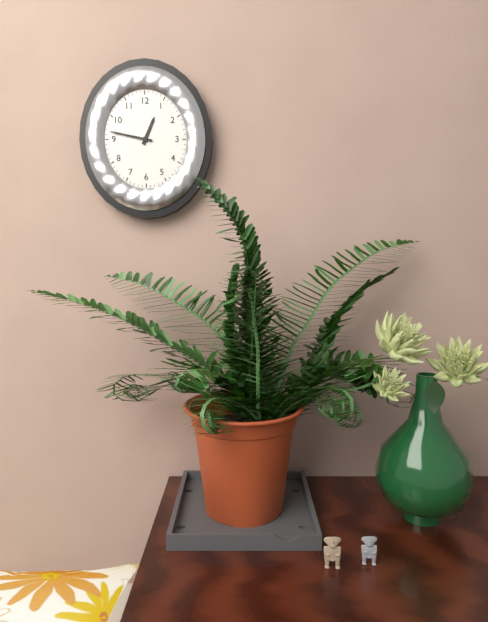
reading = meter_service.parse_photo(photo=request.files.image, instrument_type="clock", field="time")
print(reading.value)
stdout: 12:47
